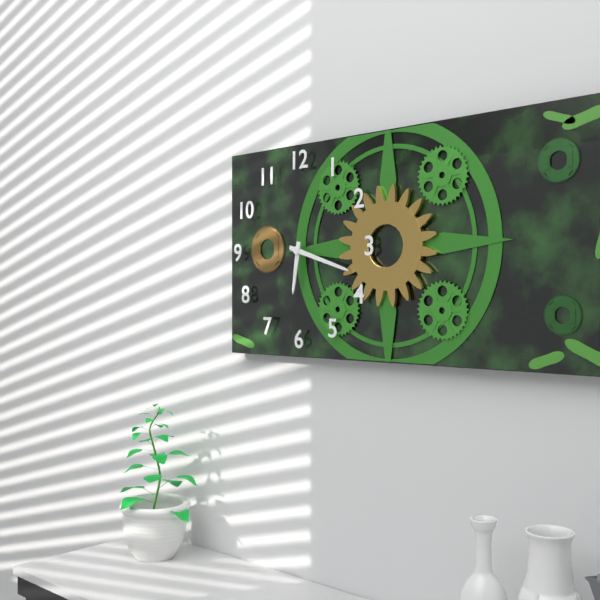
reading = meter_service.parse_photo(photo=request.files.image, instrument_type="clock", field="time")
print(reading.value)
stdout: 6:18
